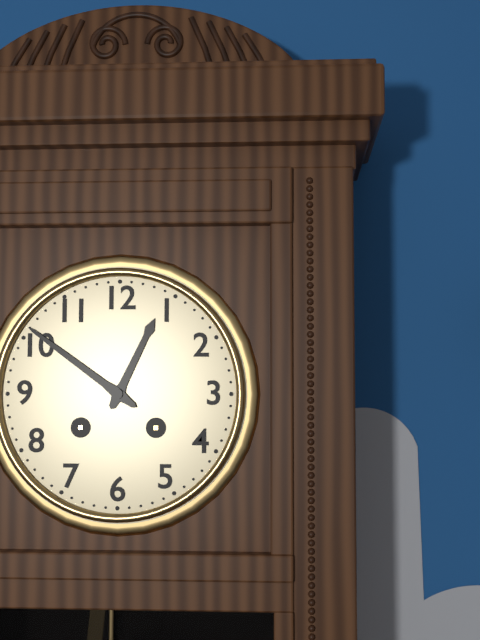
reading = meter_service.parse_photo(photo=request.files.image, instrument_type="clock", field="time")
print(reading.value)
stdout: 12:51
